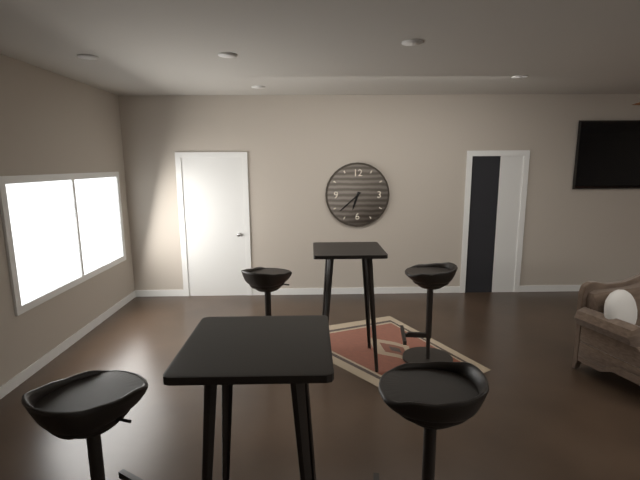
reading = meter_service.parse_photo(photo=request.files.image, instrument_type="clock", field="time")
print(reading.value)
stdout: 6:38
